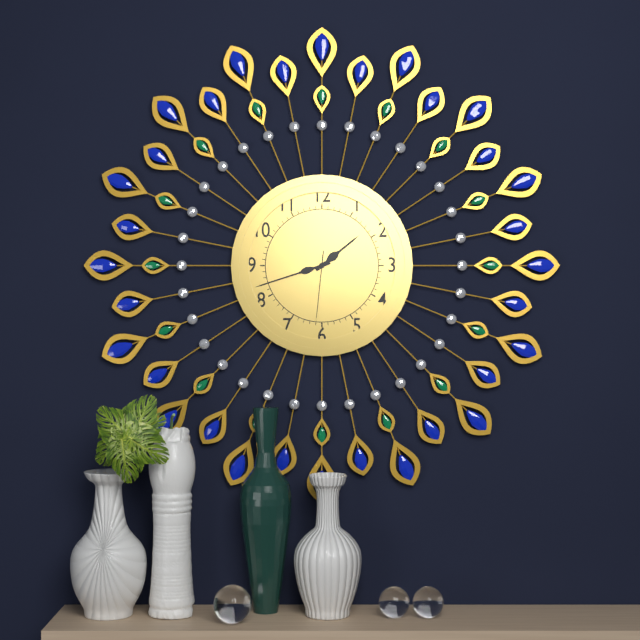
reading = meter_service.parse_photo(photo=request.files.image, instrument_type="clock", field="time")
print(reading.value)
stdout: 1:42:31
